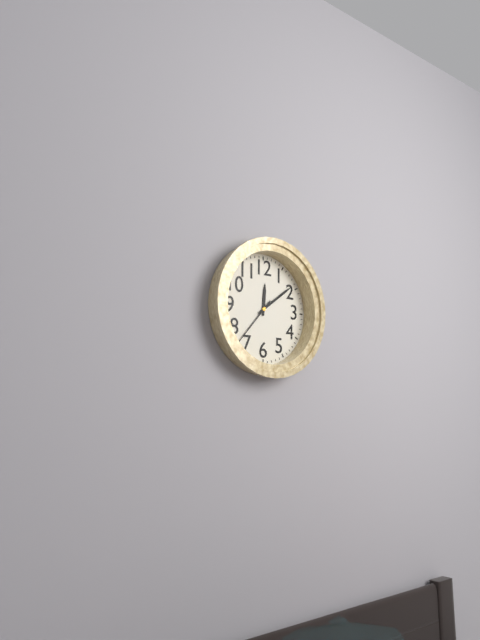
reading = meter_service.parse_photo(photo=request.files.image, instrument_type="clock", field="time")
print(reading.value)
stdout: 12:09:37
